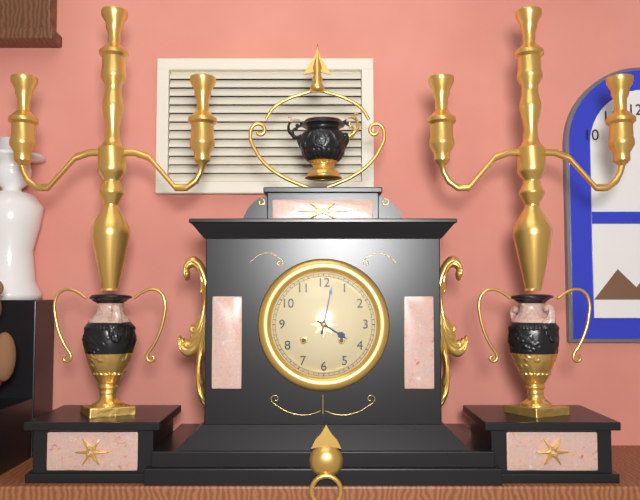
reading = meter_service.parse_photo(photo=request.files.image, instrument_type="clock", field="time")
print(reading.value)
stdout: 4:02
